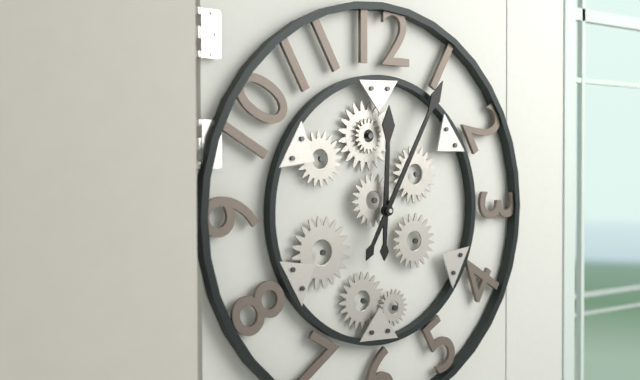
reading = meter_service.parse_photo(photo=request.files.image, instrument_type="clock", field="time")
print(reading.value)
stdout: 12:05
